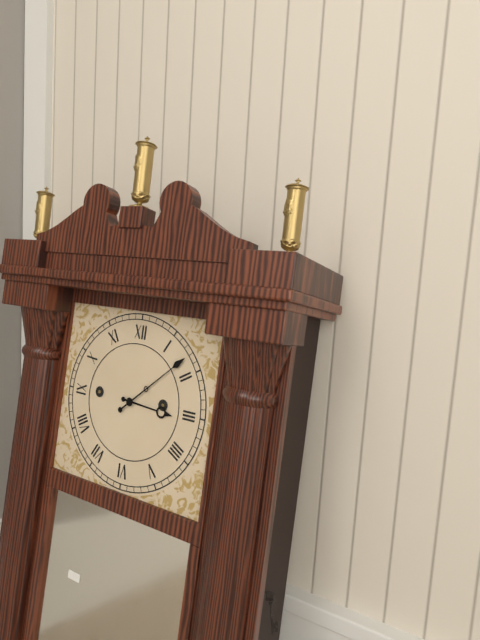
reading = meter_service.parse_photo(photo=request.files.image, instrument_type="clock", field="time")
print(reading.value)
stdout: 3:08
